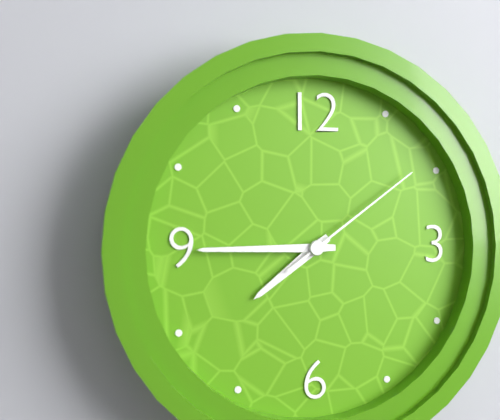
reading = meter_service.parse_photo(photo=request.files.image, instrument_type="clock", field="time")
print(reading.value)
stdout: 7:45:09
